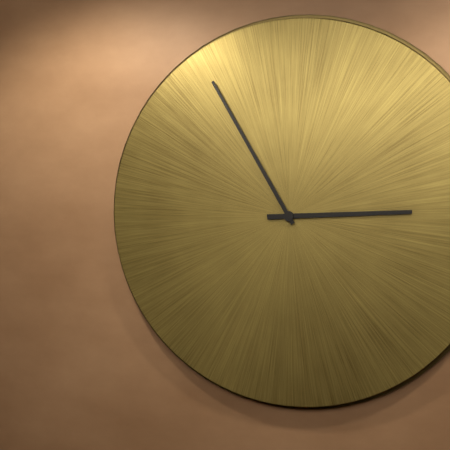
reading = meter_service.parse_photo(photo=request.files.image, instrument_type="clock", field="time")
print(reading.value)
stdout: 2:55
